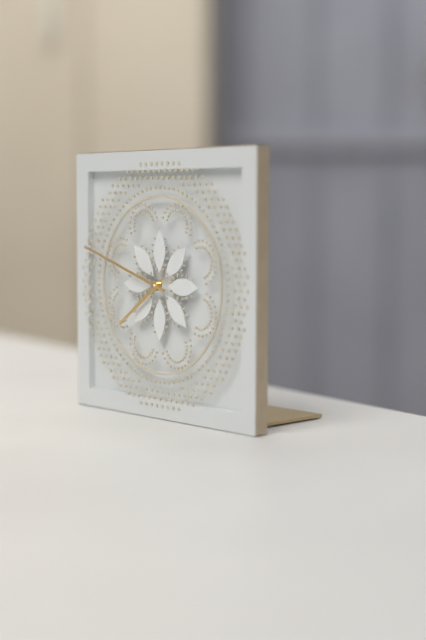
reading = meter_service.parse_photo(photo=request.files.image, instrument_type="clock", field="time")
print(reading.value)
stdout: 7:48
